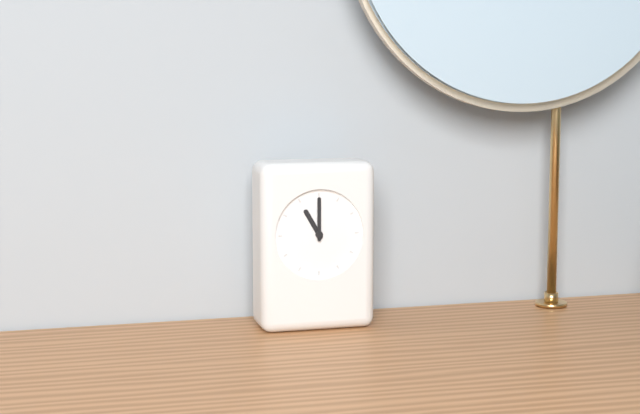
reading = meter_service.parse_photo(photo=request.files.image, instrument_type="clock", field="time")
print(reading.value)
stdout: 11:00
